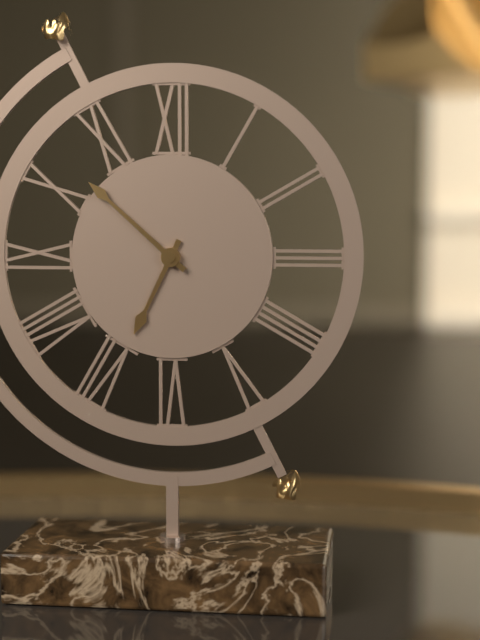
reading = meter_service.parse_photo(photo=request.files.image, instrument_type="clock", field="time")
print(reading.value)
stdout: 6:52
